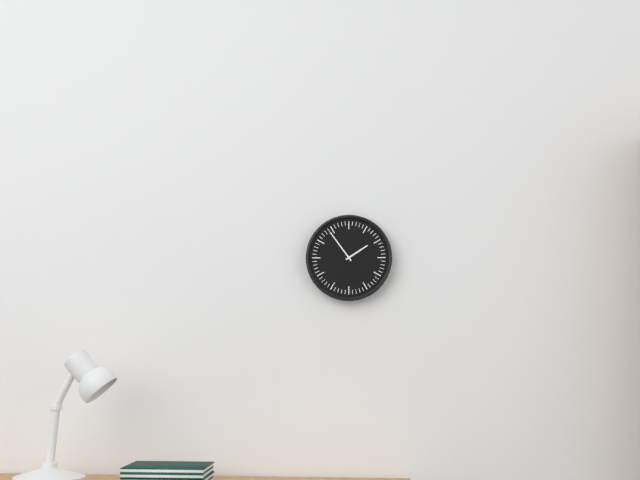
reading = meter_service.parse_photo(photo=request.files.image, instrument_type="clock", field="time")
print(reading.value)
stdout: 1:54
